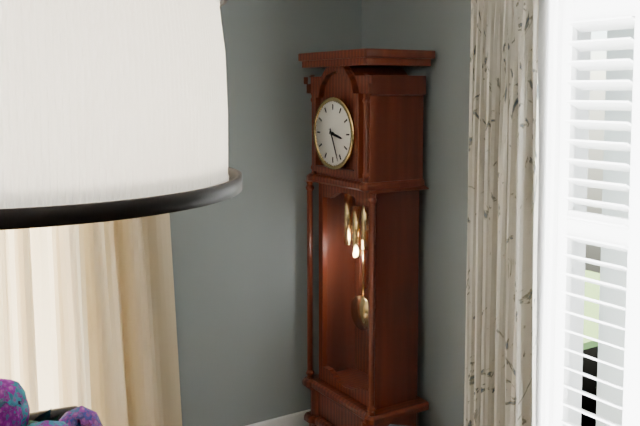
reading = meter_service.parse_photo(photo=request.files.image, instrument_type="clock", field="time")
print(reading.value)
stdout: 3:26
